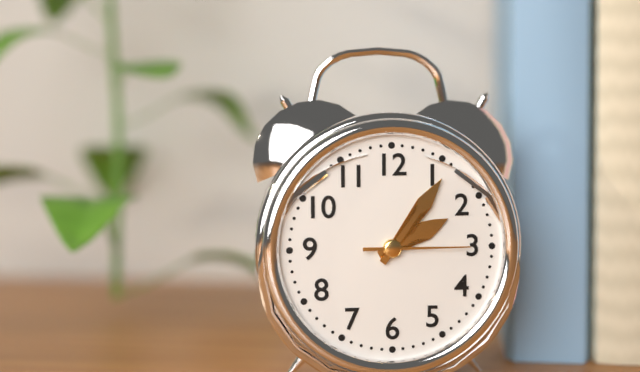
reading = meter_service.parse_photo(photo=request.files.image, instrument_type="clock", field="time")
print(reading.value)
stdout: 2:06:15
